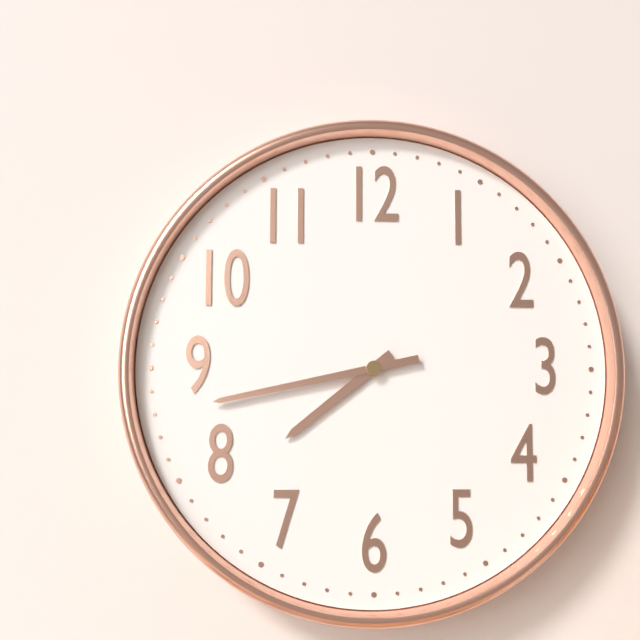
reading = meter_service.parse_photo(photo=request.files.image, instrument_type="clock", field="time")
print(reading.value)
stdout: 7:43
